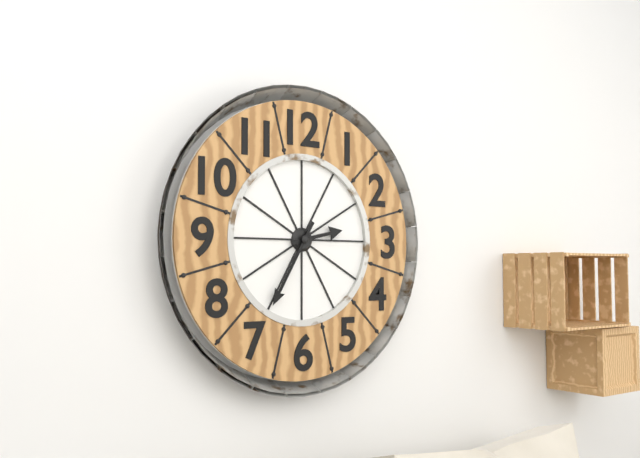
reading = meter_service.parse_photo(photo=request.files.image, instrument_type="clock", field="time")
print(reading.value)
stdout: 2:35
